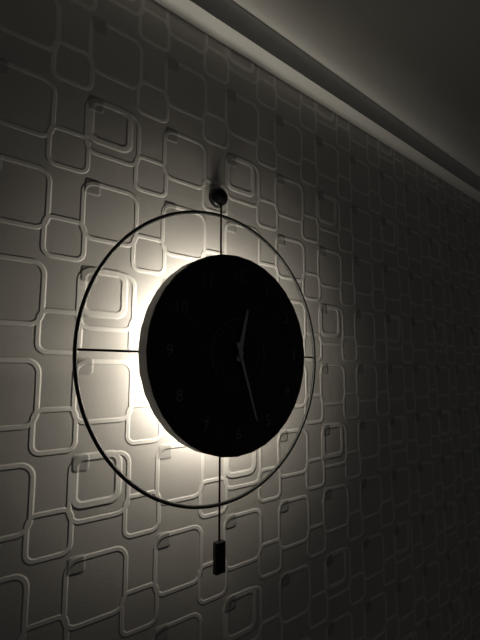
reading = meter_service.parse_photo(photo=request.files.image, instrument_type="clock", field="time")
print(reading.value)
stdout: 12:27
